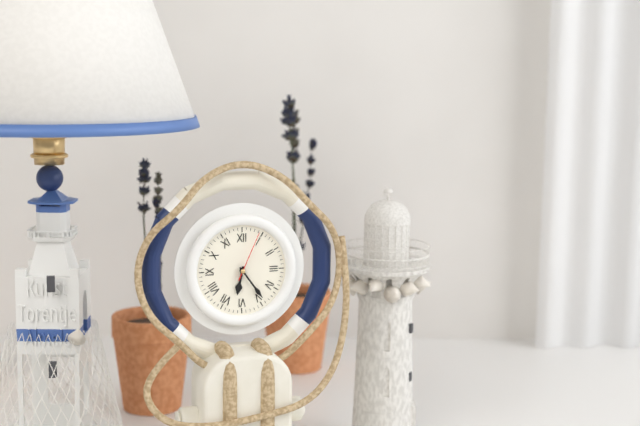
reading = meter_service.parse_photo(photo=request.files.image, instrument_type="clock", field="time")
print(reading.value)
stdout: 6:24:04
